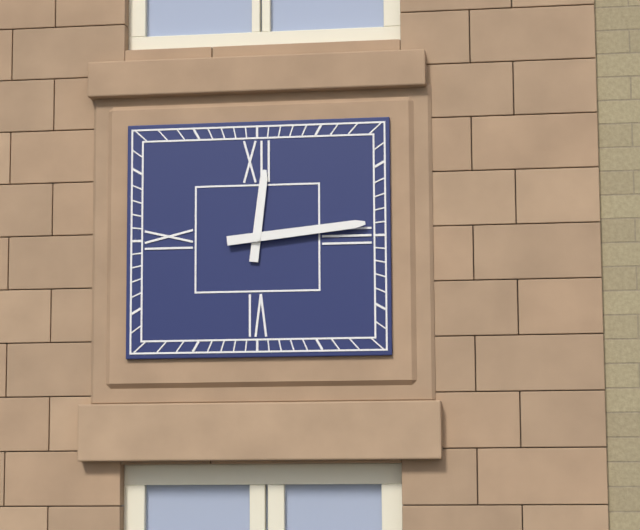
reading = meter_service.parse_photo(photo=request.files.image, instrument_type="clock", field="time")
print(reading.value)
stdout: 12:14
